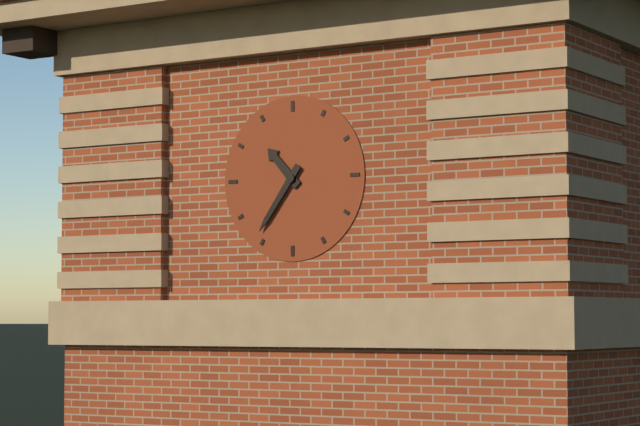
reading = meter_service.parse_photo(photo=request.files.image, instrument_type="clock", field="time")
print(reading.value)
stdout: 10:36
